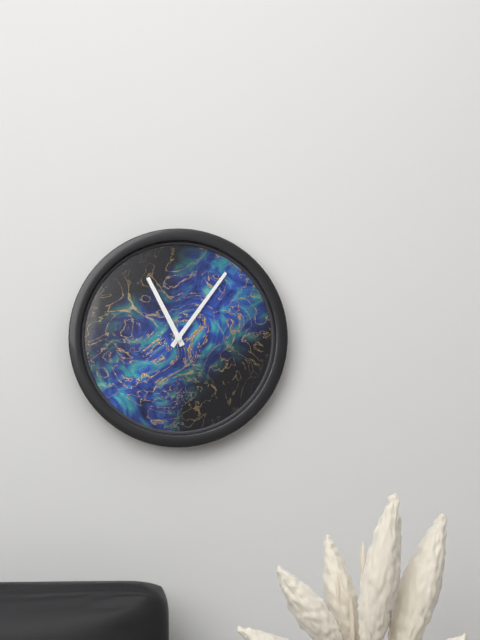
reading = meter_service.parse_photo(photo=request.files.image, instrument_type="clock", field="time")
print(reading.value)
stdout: 11:06
